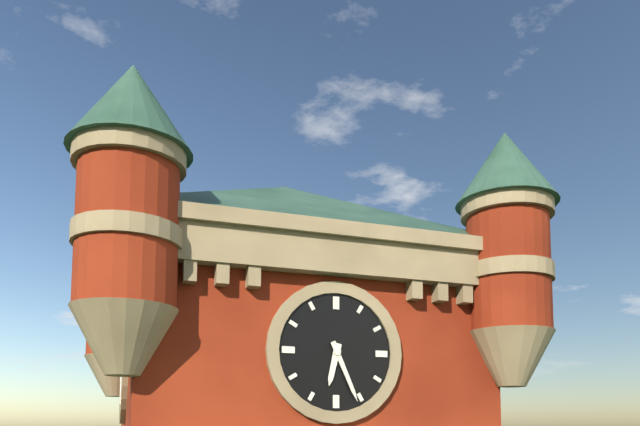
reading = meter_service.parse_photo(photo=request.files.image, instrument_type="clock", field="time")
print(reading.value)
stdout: 6:26
